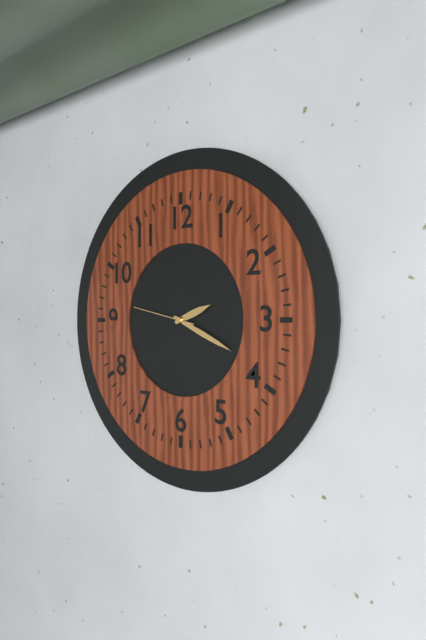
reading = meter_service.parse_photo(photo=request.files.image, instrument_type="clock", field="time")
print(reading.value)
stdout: 2:19:47
